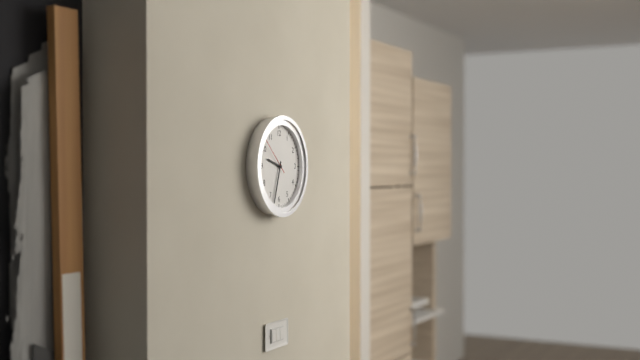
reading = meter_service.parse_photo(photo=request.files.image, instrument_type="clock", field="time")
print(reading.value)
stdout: 9:33
